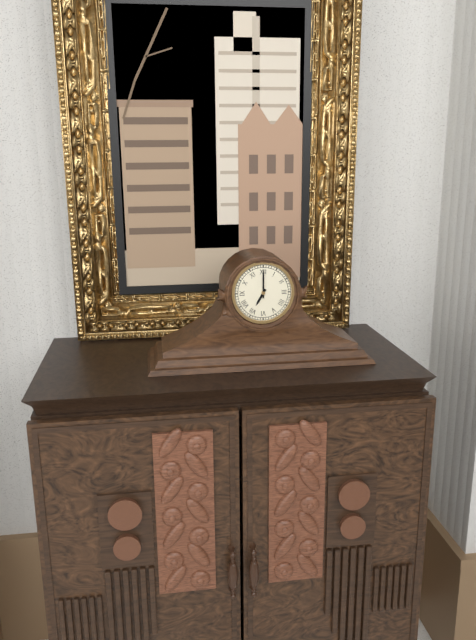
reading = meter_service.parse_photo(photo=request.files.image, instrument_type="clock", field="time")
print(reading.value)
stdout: 7:00
